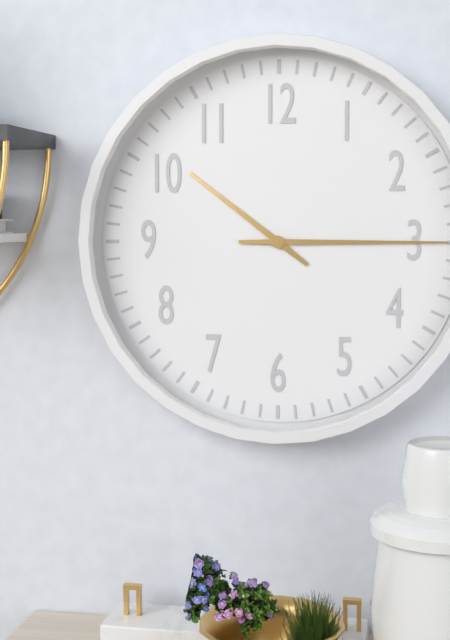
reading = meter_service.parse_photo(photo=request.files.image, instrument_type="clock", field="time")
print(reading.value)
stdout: 10:15
